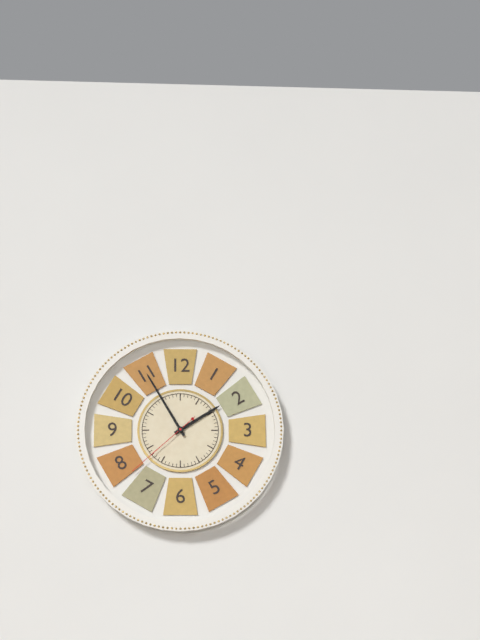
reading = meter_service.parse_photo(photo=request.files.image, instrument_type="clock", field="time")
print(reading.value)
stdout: 1:55:38
